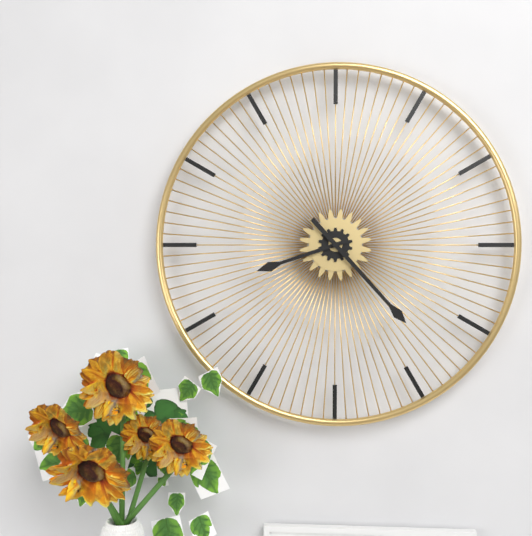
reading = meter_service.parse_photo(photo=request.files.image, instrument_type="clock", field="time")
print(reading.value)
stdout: 8:23
